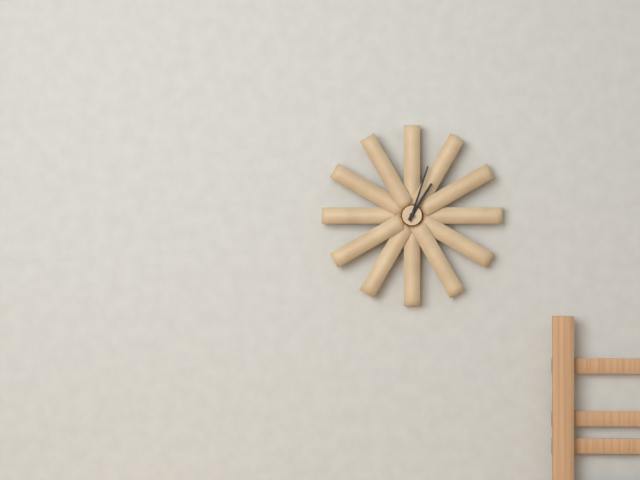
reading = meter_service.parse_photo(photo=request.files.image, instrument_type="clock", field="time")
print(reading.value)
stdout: 1:03
